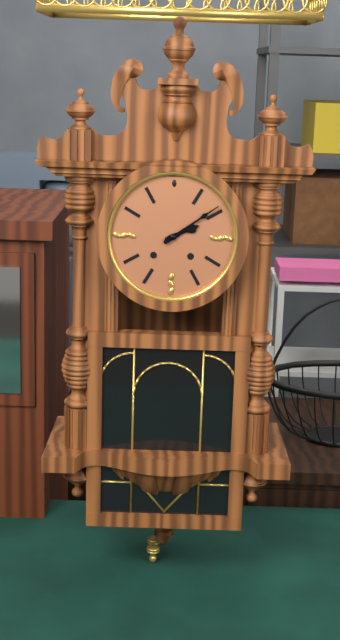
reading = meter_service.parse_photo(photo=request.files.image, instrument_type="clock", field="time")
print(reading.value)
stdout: 2:09
